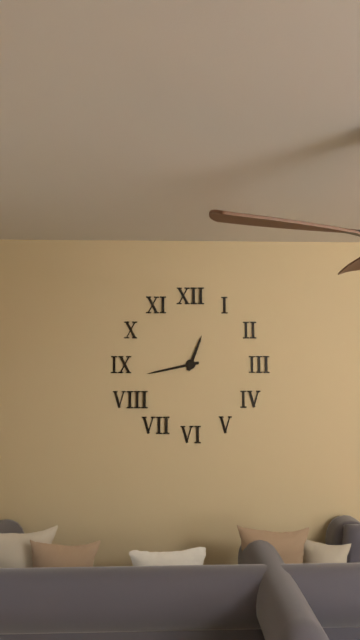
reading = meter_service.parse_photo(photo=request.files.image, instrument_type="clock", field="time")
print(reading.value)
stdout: 12:43
